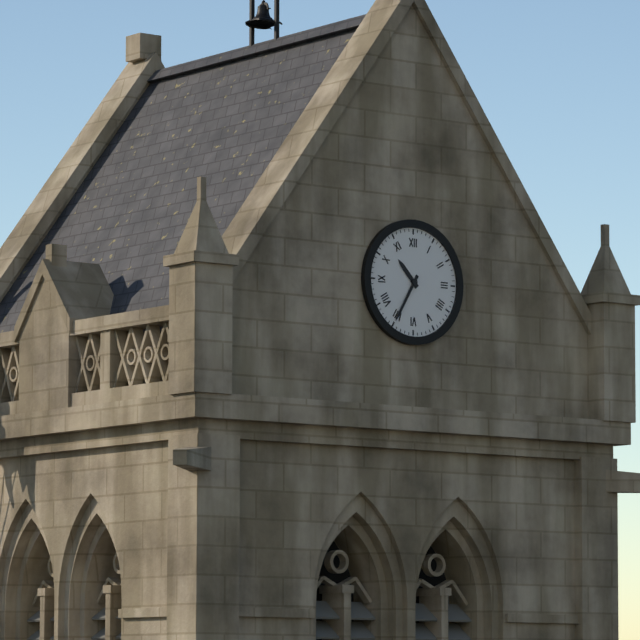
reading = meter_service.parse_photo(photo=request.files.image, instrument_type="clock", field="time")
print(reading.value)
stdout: 10:35
